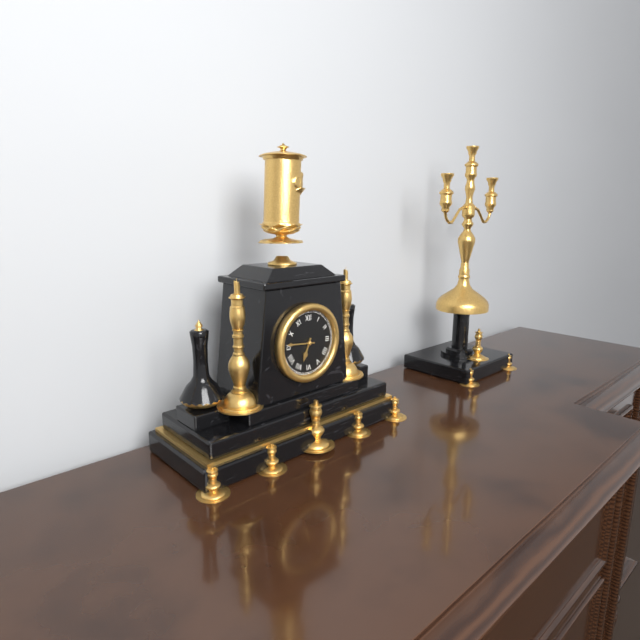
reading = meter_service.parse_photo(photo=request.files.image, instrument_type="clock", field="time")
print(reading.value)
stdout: 6:46
